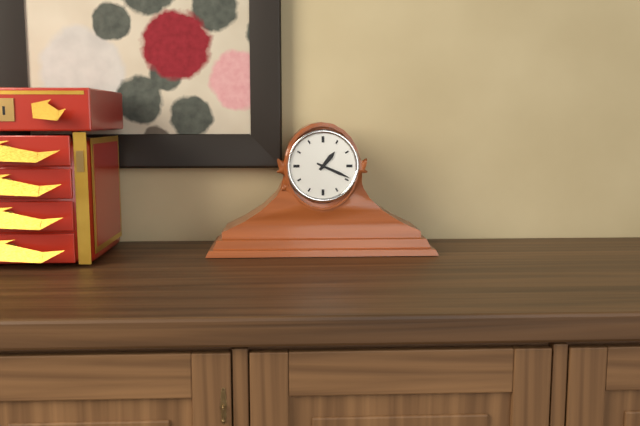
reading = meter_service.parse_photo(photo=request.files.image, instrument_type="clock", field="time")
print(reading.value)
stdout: 1:19
